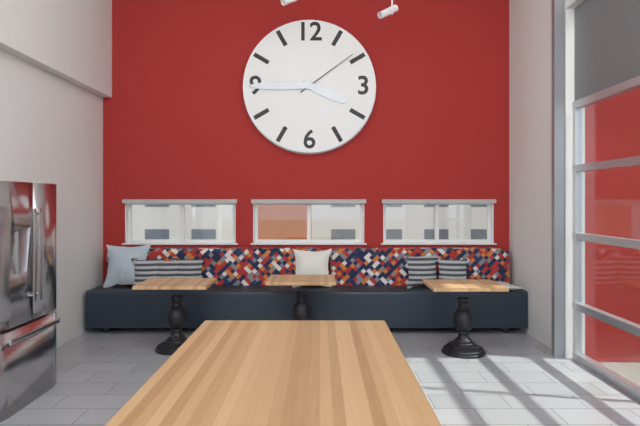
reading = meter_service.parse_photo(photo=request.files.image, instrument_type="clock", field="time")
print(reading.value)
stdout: 3:45:09
